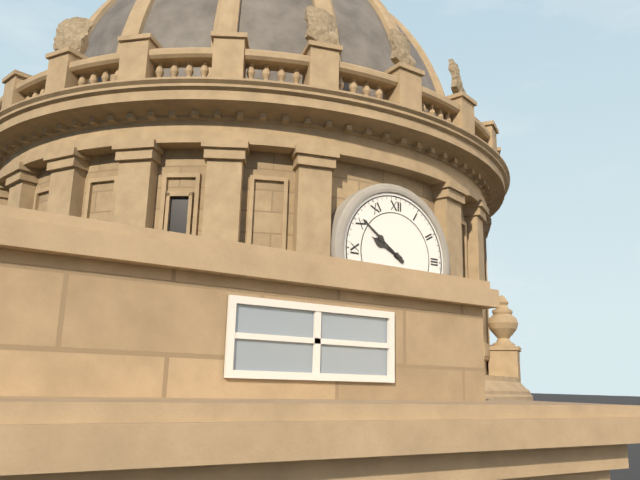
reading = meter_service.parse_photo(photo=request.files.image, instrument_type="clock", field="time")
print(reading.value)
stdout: 9:51
